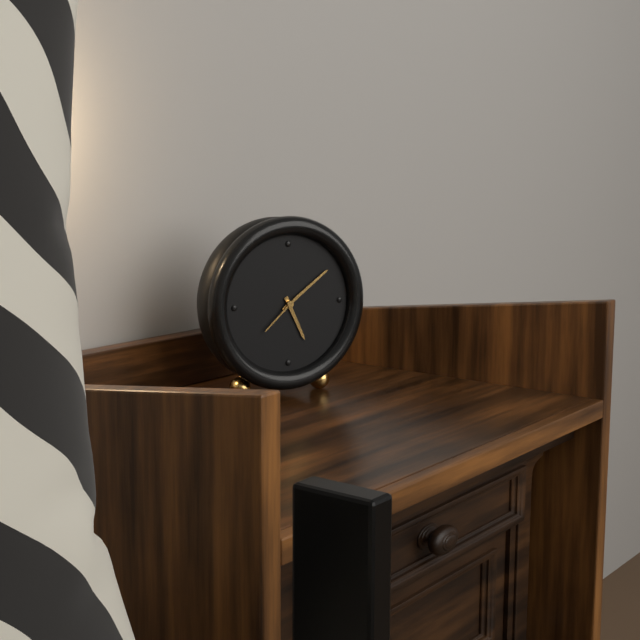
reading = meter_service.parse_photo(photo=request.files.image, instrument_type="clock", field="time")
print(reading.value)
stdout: 5:09
